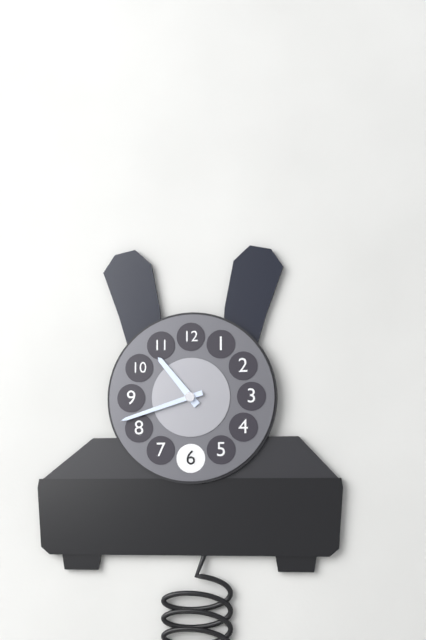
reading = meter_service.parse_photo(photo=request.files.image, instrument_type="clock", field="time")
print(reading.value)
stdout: 10:42
